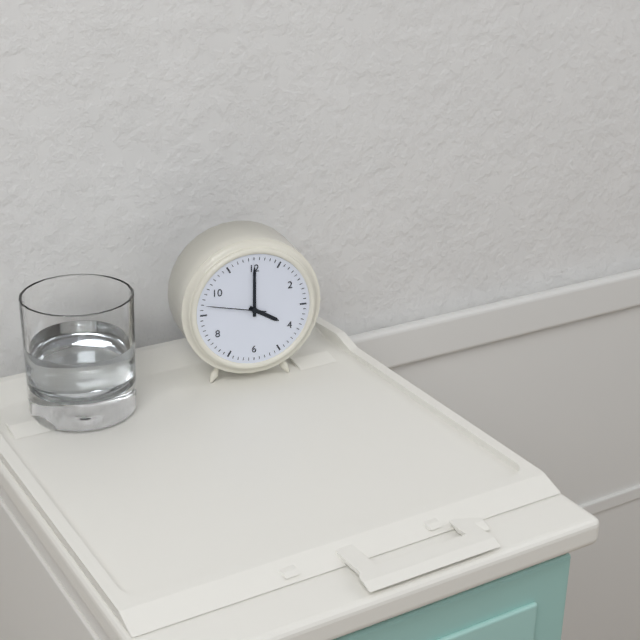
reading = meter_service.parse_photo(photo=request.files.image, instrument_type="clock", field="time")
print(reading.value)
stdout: 4:00:47
